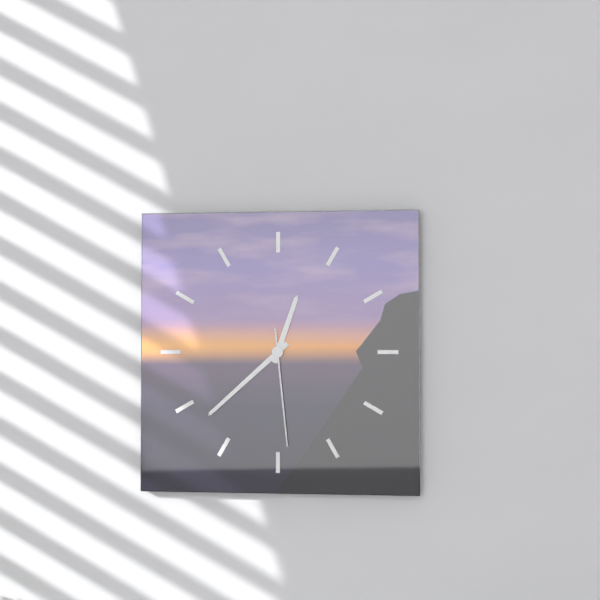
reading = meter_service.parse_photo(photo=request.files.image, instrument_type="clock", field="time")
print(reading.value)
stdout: 12:38:29
